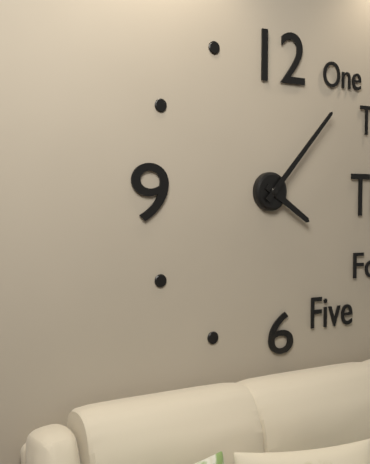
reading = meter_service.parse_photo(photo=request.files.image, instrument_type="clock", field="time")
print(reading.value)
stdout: 4:07
